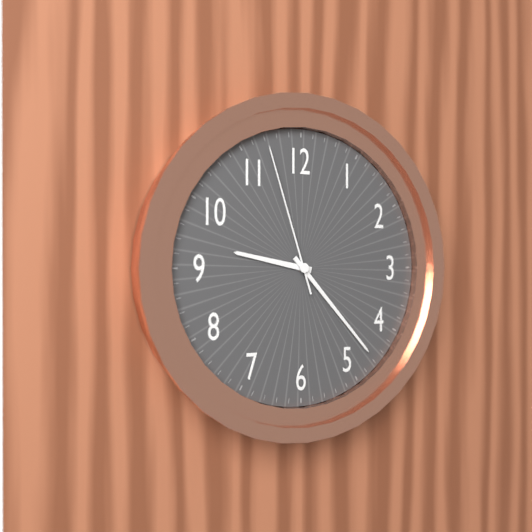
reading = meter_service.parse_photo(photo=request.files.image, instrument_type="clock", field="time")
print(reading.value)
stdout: 9:23:57
